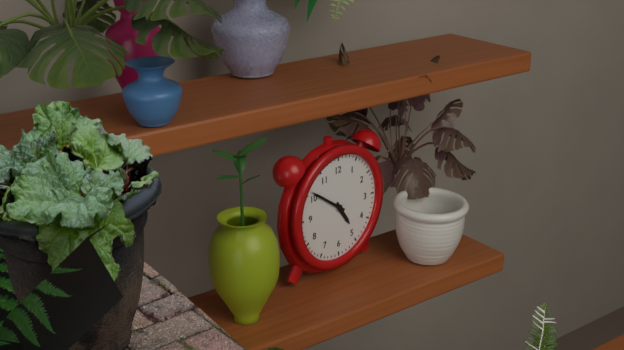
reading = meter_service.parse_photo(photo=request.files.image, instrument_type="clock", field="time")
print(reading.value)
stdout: 4:51
